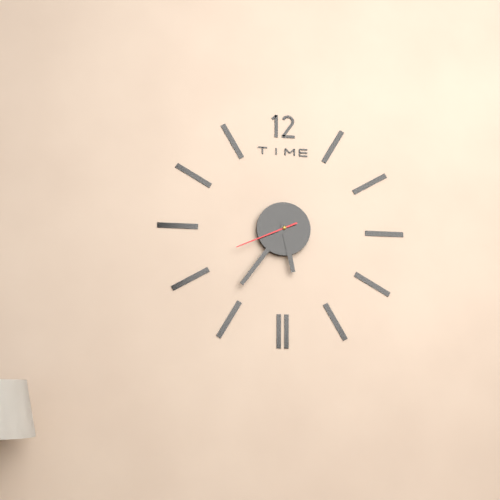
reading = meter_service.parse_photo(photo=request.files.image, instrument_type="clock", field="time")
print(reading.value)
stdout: 5:36:41
